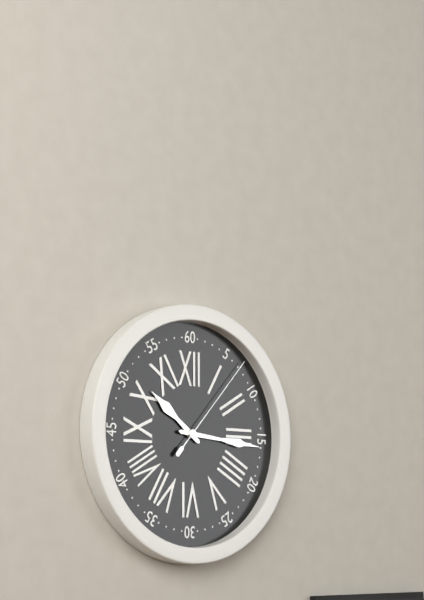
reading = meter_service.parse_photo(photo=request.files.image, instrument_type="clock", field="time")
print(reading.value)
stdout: 10:16:07
